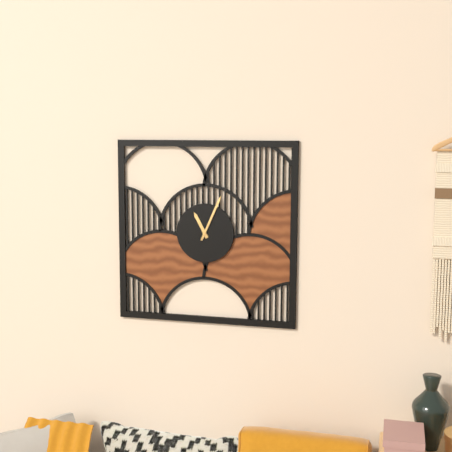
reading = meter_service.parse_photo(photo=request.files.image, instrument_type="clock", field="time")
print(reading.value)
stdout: 11:04
